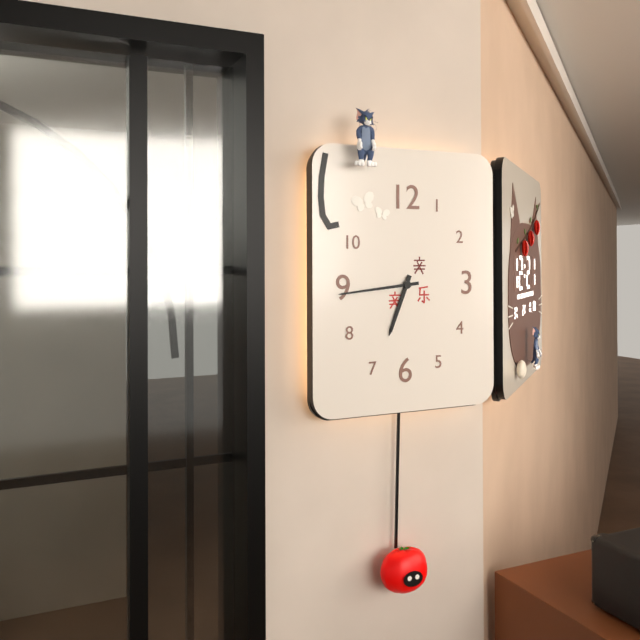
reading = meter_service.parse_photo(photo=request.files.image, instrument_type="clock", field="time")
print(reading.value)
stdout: 6:44
